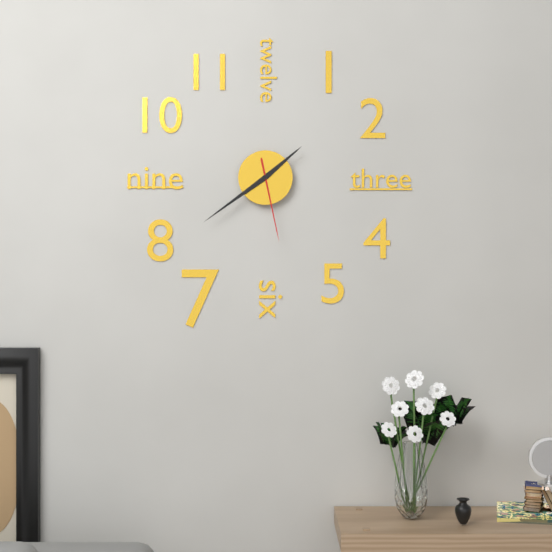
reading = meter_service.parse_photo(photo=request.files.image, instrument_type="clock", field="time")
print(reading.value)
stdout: 1:39:28
